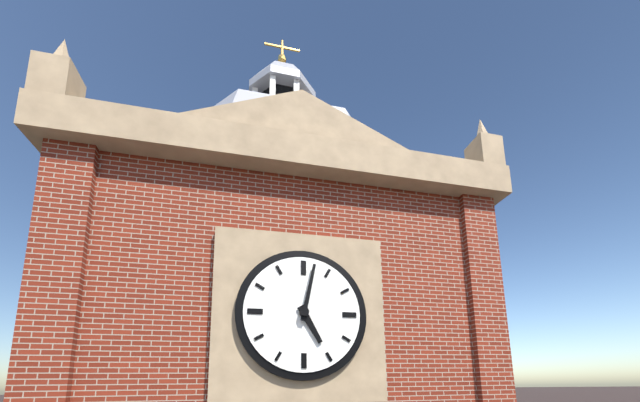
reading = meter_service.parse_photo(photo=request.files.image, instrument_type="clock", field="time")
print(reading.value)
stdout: 5:02
